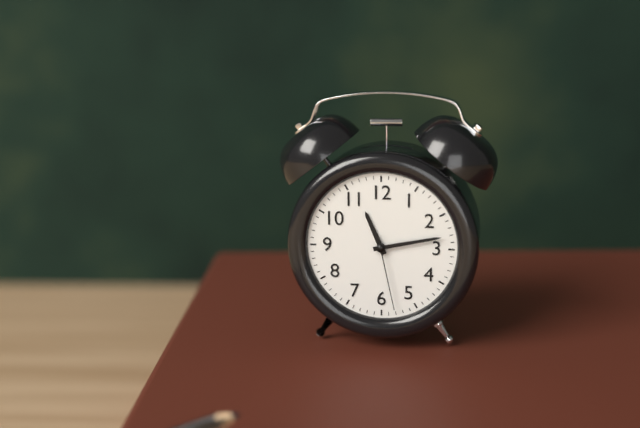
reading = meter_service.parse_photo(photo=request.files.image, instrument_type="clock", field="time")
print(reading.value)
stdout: 11:13:28
